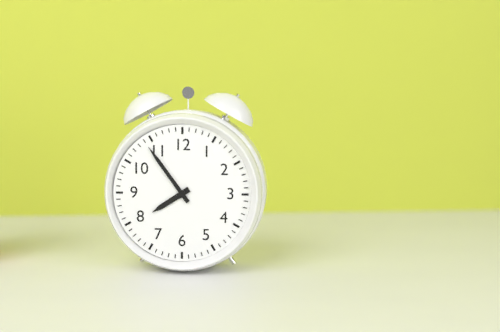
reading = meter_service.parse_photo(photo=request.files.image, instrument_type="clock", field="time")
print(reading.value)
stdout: 7:54
